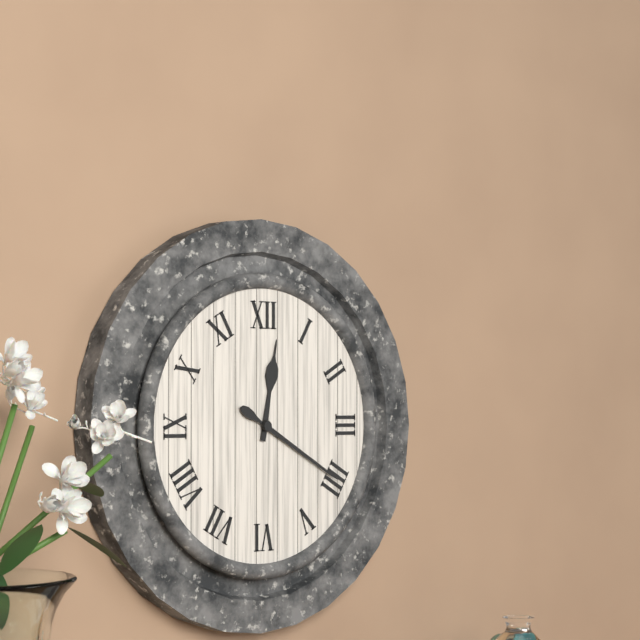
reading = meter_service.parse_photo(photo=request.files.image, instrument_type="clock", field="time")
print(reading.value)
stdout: 12:20
